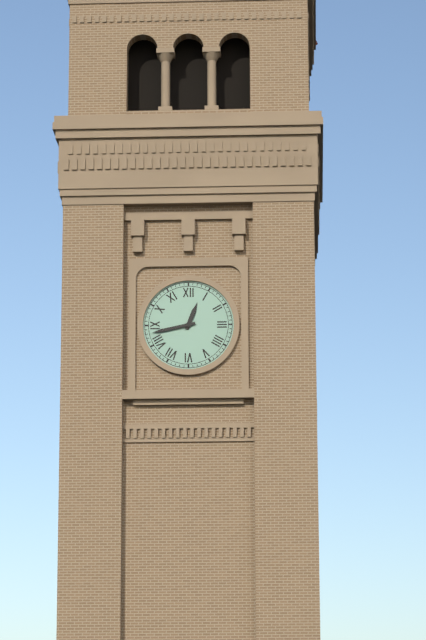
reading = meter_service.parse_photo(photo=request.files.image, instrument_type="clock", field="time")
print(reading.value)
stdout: 12:43
